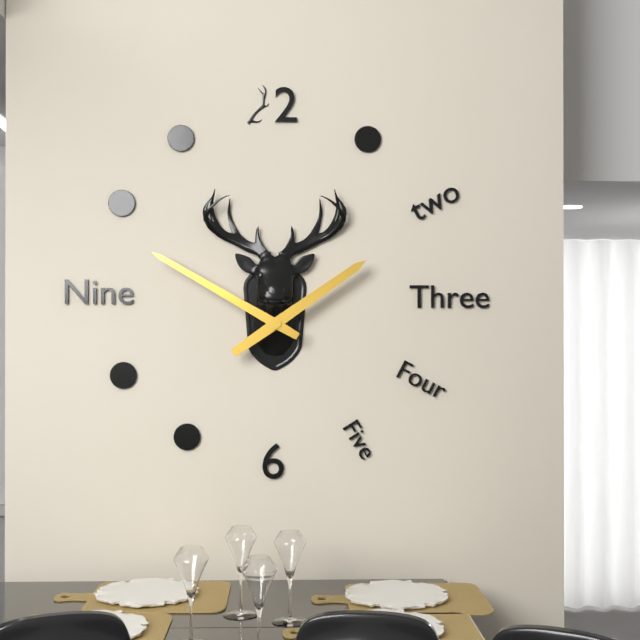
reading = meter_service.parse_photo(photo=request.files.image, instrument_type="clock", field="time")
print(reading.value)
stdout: 1:50
